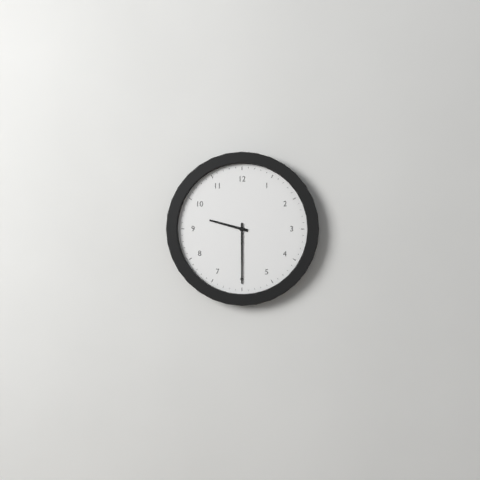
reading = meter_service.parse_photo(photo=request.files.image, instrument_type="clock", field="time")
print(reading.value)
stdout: 9:30
